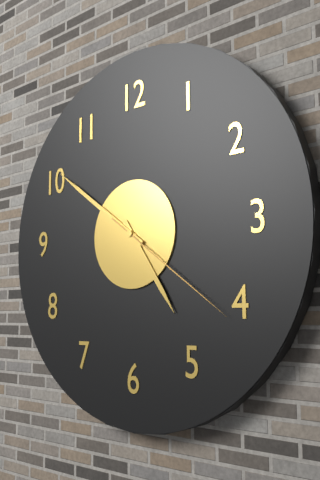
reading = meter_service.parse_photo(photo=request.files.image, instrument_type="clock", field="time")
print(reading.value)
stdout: 4:51:21
